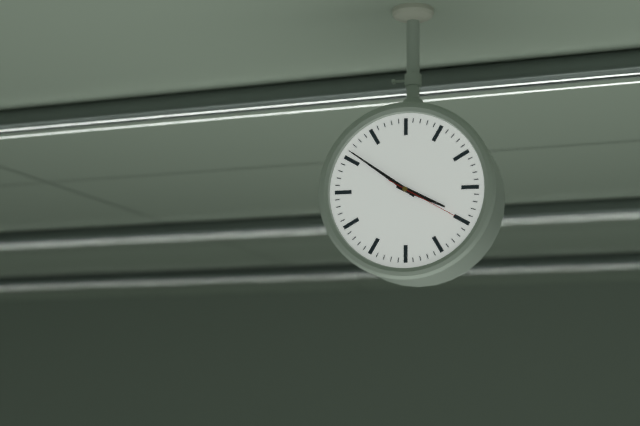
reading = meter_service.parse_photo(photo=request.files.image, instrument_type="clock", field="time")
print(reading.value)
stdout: 3:51:20
